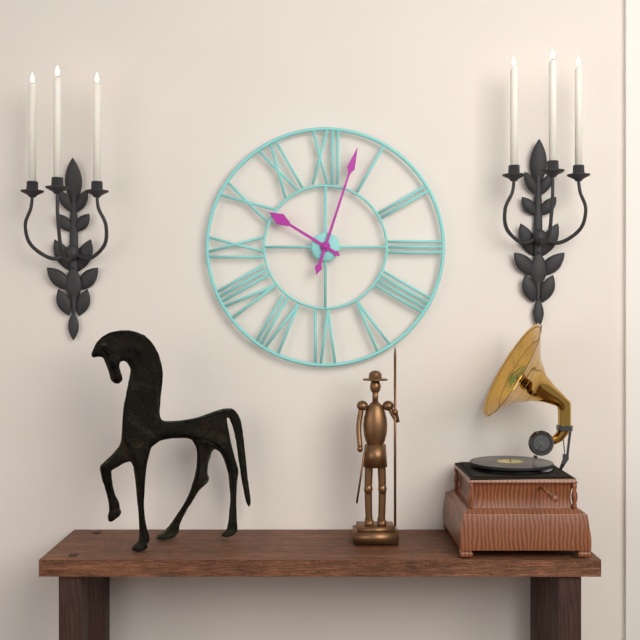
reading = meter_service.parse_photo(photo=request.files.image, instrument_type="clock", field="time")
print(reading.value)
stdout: 10:03
